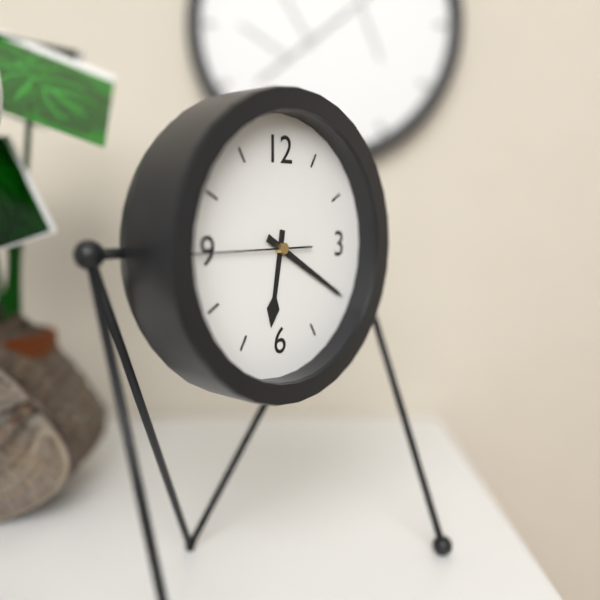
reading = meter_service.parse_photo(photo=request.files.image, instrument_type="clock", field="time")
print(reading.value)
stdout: 6:20:45
